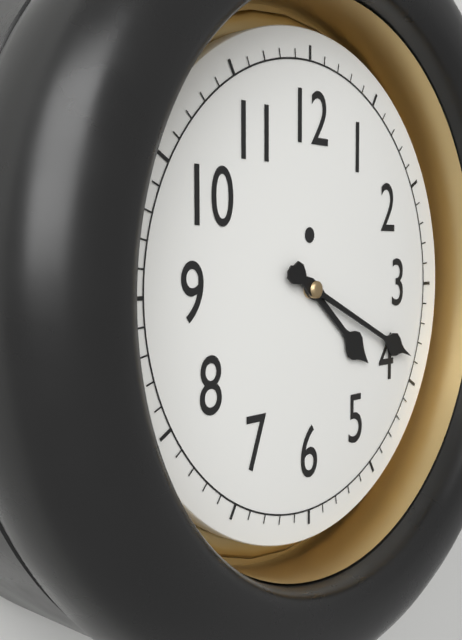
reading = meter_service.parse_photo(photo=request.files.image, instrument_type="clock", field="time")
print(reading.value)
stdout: 4:19
